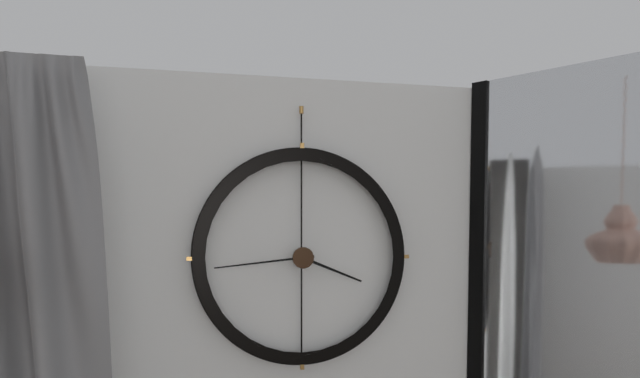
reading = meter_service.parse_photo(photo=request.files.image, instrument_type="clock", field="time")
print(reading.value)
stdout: 3:44
